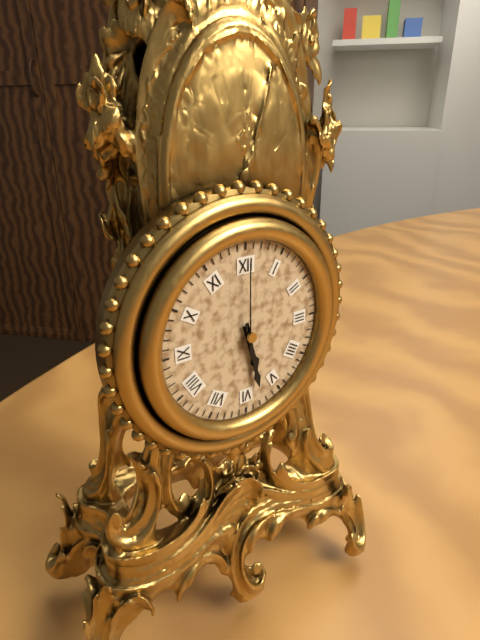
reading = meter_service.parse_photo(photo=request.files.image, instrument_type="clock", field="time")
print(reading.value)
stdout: 5:28:00
